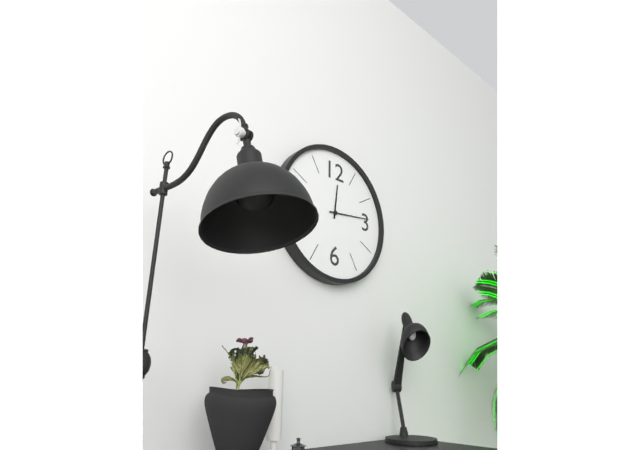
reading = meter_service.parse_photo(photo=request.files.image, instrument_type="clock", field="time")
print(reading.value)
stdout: 12:14
